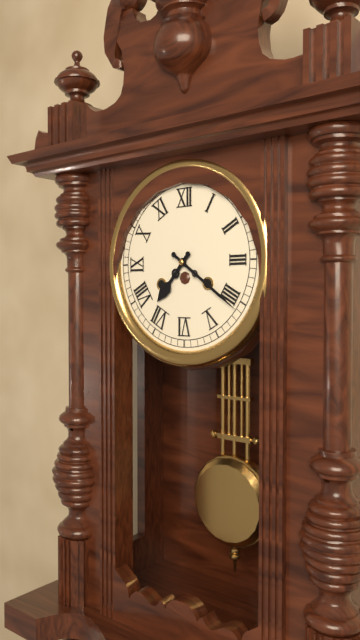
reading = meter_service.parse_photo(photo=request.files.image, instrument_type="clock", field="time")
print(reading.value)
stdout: 7:21
